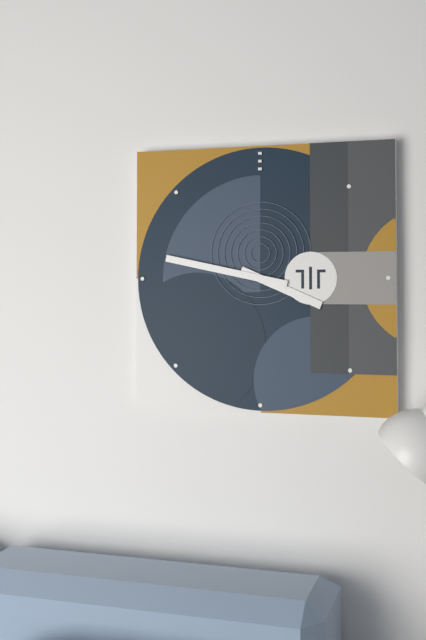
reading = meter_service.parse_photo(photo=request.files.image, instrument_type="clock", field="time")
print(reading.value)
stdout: 3:47
